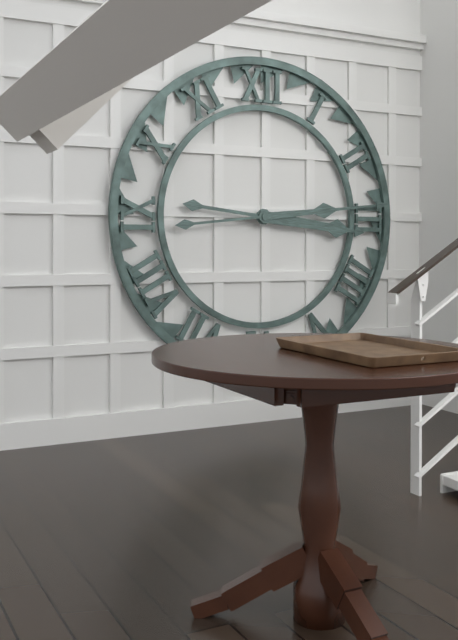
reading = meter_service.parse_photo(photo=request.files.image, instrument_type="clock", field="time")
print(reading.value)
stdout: 3:14
